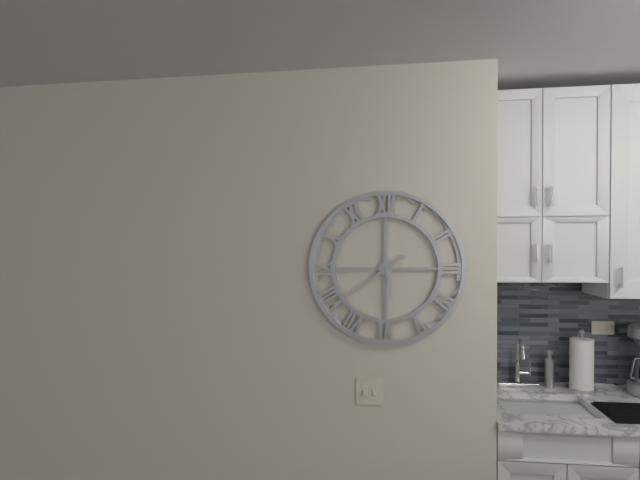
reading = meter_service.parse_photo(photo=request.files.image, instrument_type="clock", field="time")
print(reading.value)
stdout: 5:39
